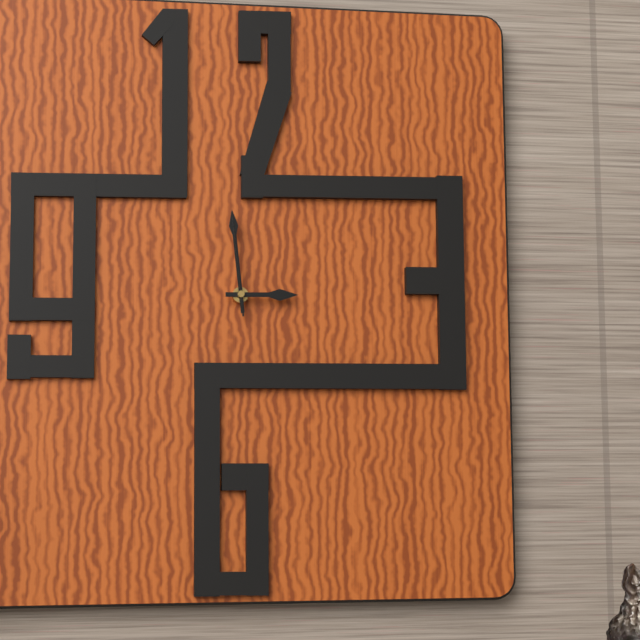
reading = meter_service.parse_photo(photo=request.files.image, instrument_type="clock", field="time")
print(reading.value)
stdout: 2:59:59
